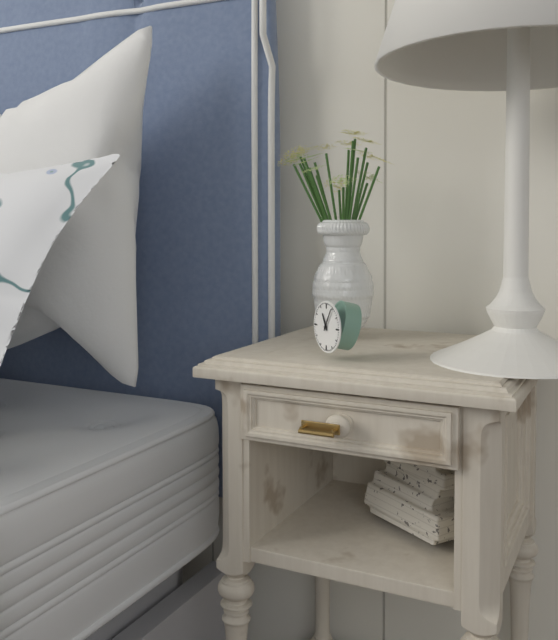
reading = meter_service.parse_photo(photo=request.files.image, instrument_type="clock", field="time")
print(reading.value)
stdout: 11:05
